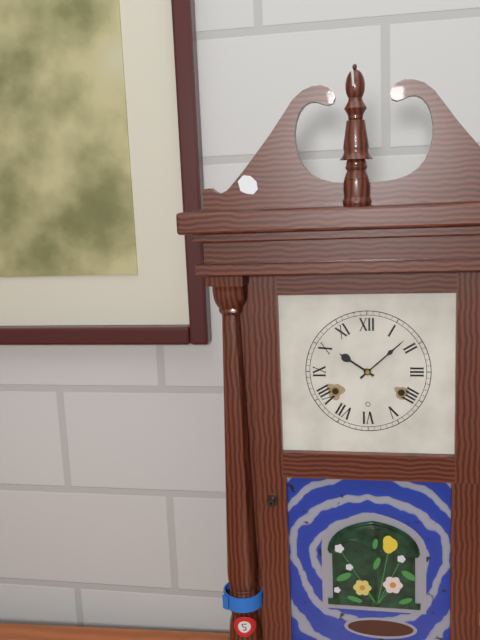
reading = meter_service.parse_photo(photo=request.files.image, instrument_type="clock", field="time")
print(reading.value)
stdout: 10:08
